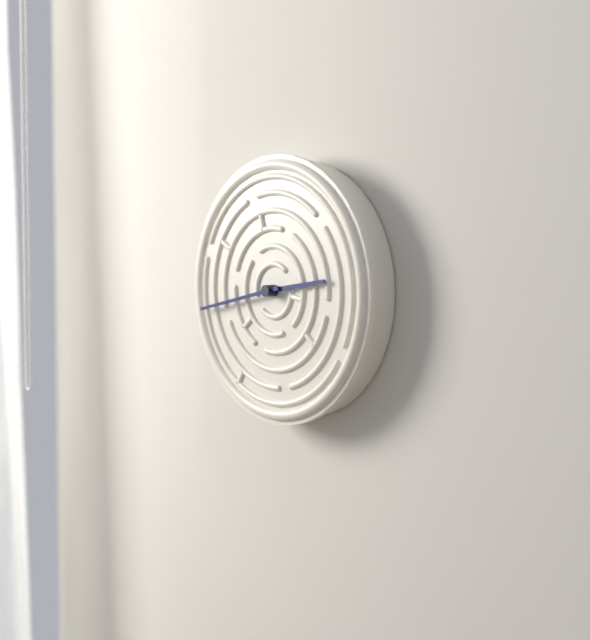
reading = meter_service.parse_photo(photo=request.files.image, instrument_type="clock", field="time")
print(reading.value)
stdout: 2:43
